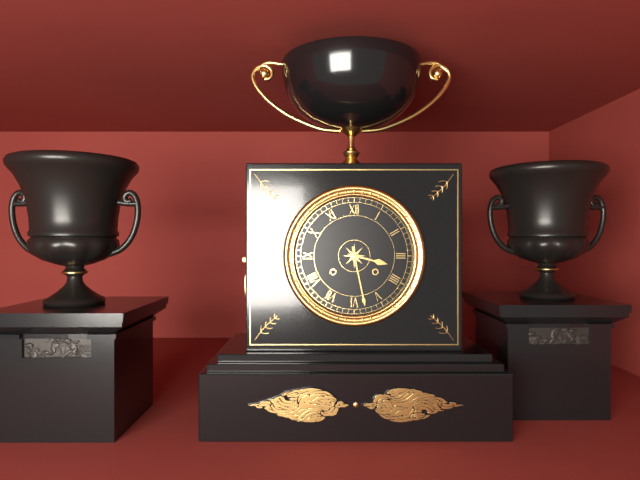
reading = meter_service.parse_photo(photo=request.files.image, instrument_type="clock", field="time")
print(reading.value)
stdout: 3:28
